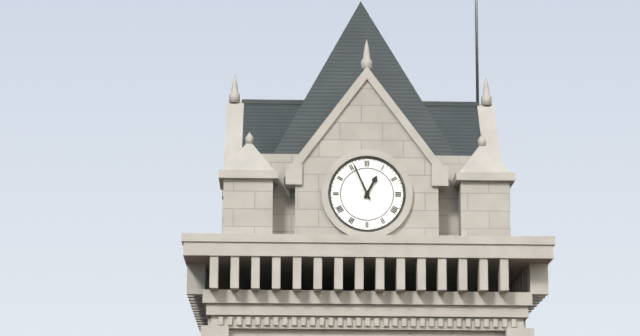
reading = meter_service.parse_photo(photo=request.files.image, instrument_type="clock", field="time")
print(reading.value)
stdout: 12:56
